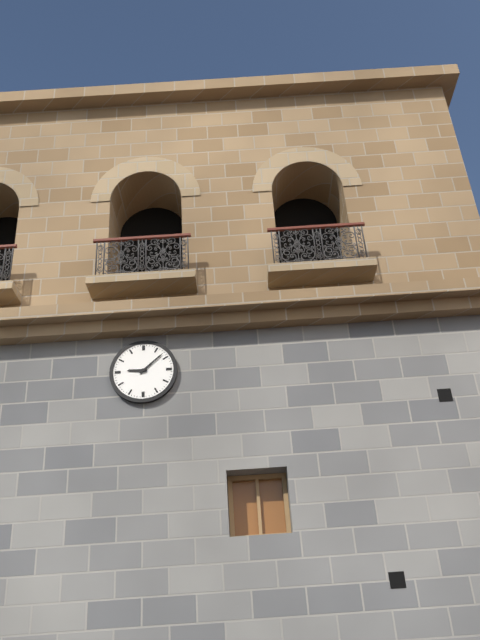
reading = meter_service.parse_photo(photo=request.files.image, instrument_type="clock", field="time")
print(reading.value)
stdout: 9:08
